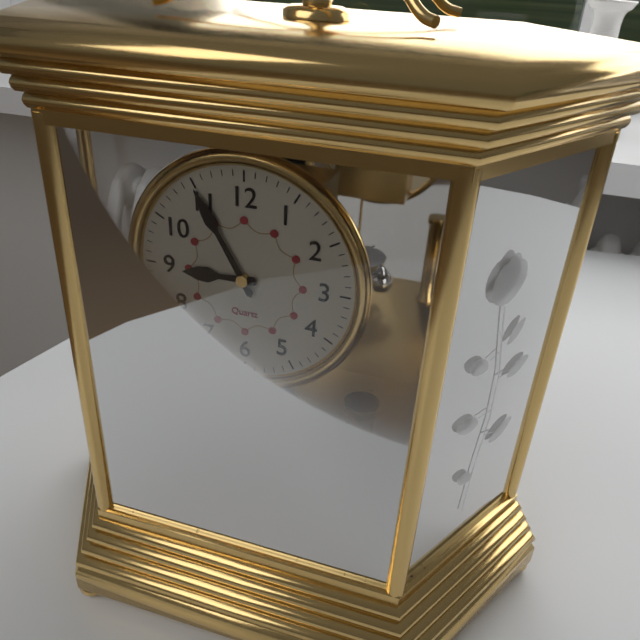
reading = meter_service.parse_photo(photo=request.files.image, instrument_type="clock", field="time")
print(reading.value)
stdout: 8:55
